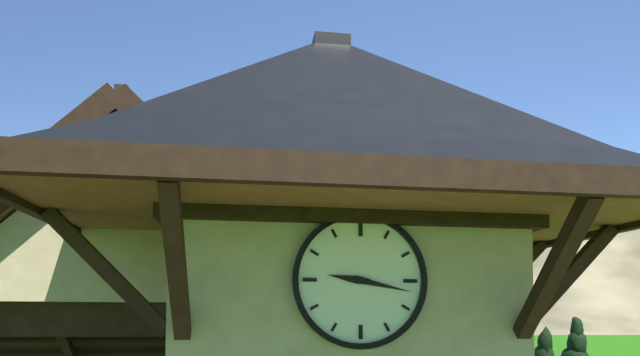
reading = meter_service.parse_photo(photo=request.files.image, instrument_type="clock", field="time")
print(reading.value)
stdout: 9:17
